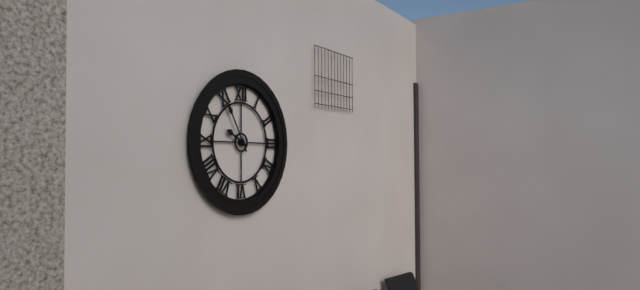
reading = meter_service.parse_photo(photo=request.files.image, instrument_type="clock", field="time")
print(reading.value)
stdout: 9:55
